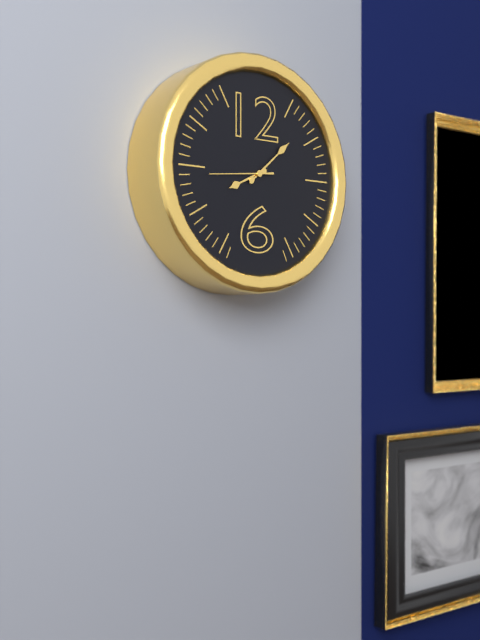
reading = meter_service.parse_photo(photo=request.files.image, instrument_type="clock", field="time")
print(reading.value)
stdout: 8:08
